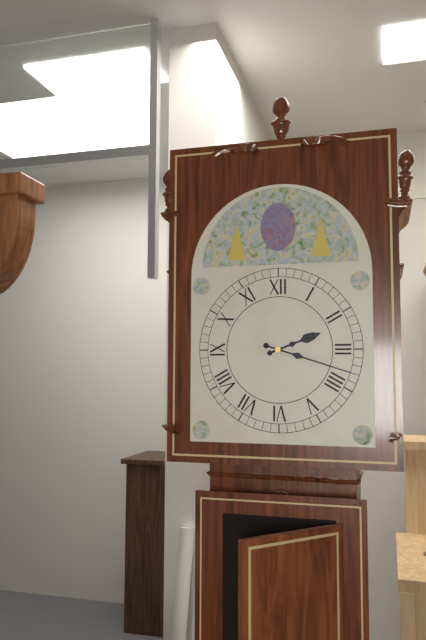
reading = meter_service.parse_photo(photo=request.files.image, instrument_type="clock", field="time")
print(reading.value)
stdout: 2:18
